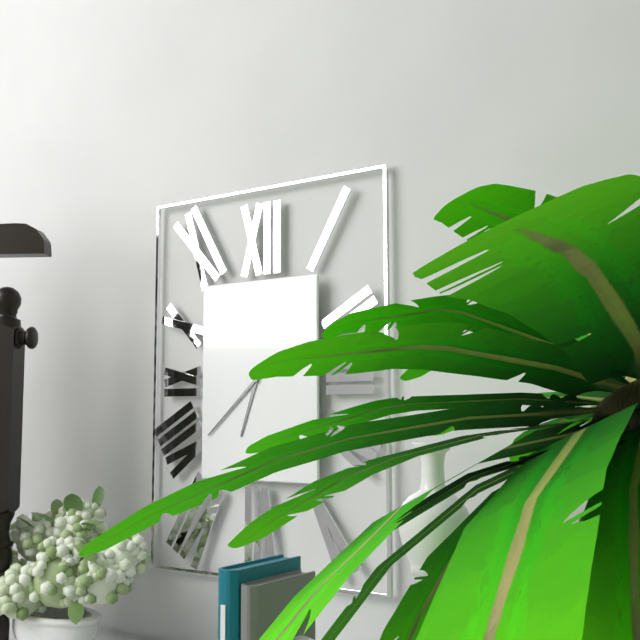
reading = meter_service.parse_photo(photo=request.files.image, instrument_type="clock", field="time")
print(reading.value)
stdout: 6:38
